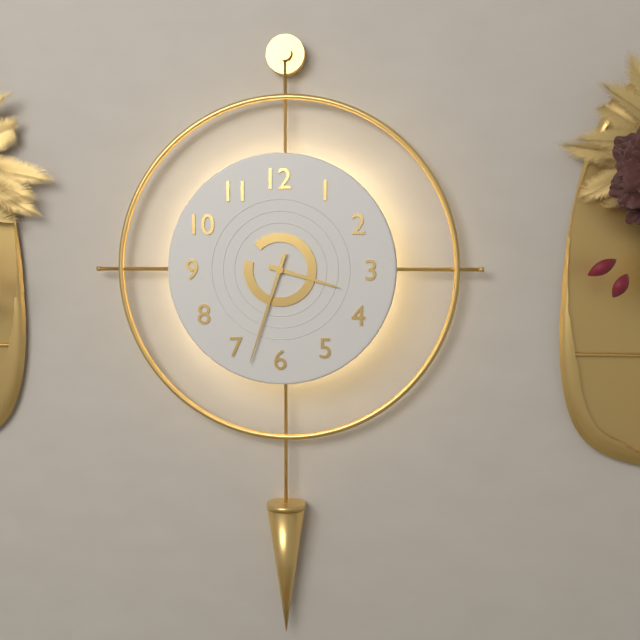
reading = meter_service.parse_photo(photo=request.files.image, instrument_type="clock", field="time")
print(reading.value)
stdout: 3:33
